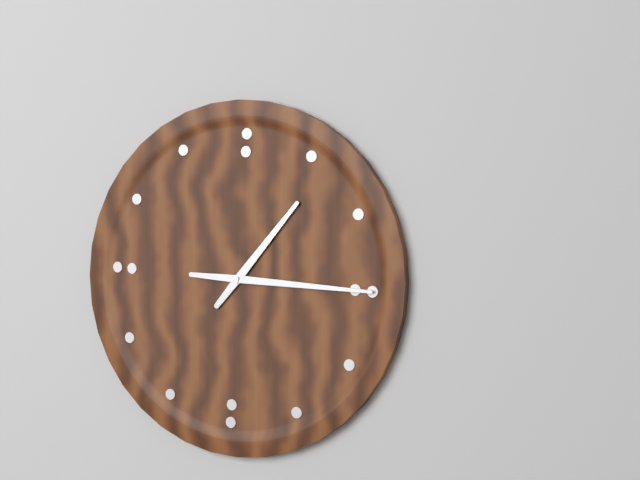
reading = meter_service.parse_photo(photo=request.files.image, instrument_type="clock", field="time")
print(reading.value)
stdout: 1:15
